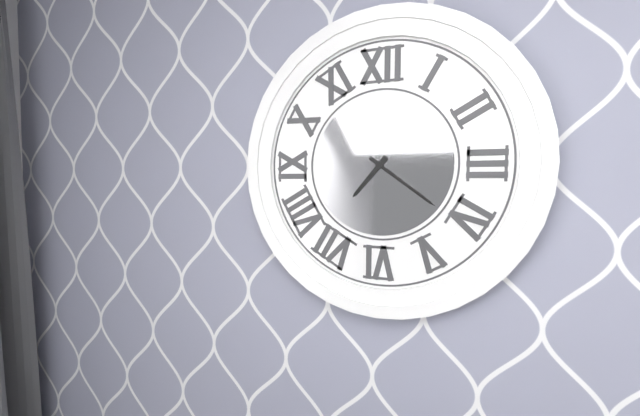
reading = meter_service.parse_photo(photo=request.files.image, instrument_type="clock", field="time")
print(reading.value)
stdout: 7:21
